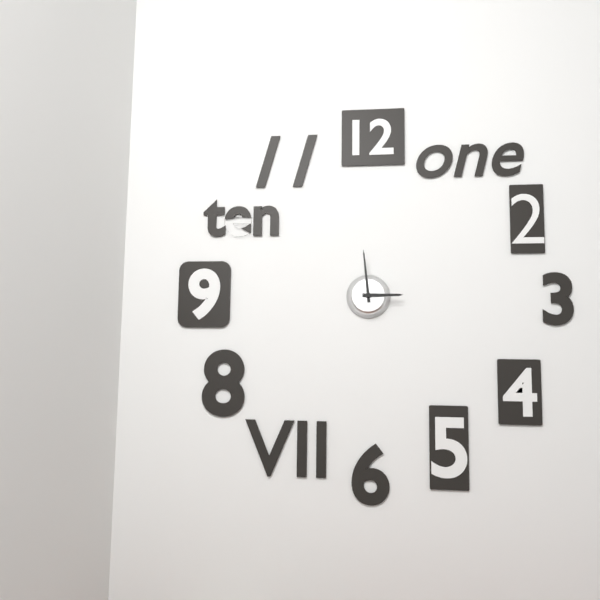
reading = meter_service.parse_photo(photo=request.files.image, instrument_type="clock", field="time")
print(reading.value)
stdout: 2:59
